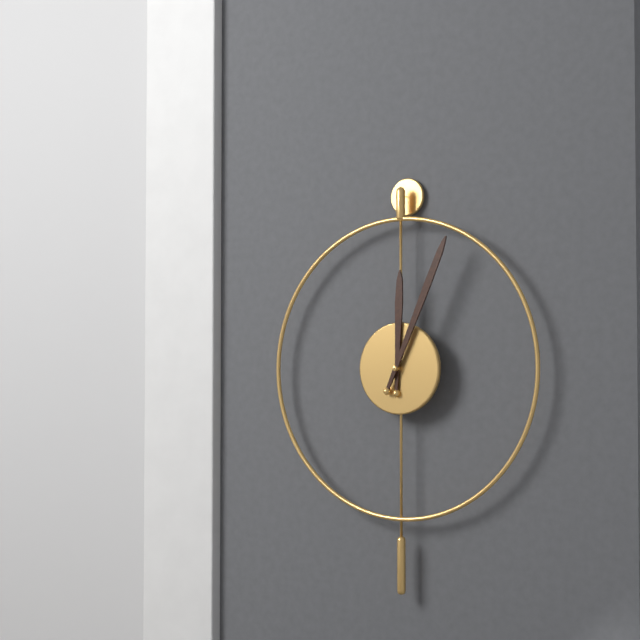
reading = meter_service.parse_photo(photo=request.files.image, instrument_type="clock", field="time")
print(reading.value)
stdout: 12:04
